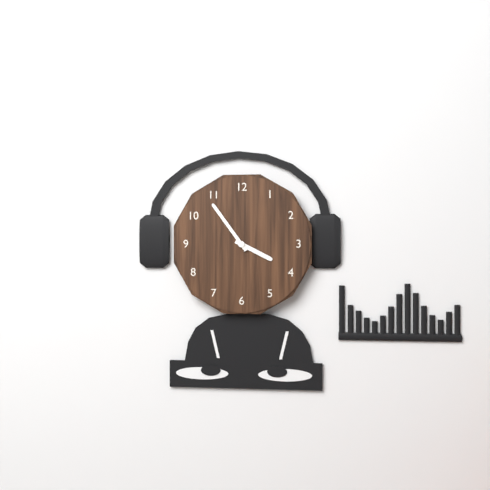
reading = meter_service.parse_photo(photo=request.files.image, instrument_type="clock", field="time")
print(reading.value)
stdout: 3:54
